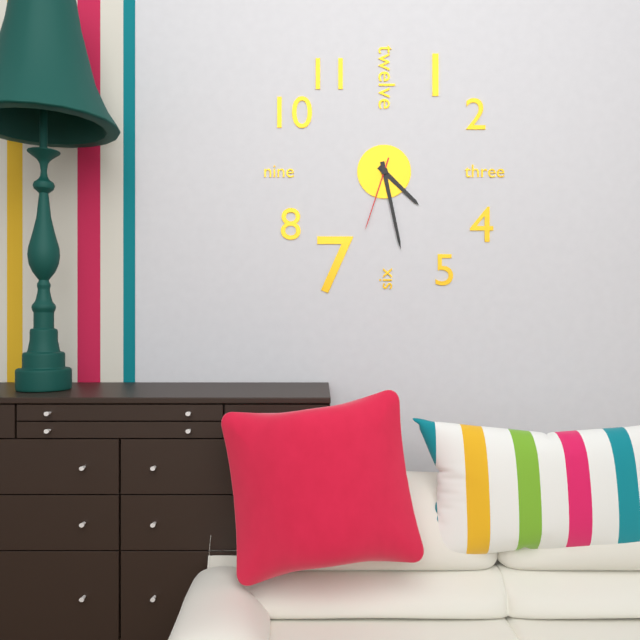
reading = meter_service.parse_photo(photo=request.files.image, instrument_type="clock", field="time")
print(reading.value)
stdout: 4:28:33
